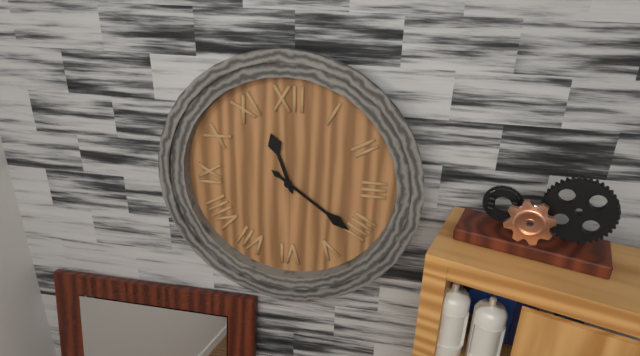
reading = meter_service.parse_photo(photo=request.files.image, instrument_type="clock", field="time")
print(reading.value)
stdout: 11:21
